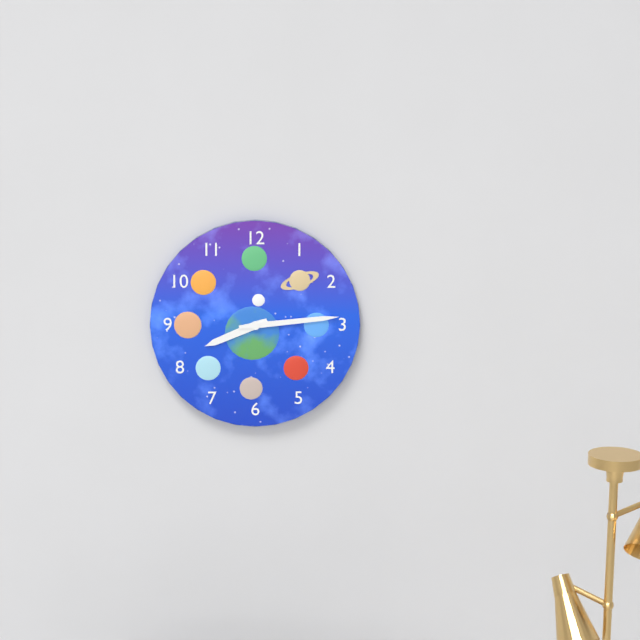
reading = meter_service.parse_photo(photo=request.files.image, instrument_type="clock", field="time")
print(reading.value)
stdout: 8:14
